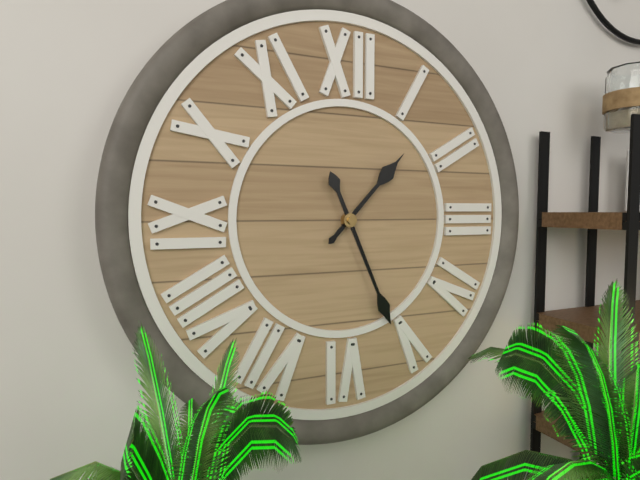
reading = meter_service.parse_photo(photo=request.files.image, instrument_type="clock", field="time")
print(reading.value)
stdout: 1:26
